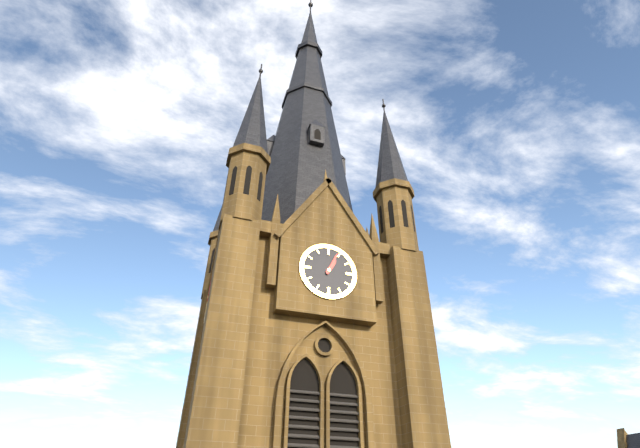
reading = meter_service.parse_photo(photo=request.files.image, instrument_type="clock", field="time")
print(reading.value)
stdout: 1:04
